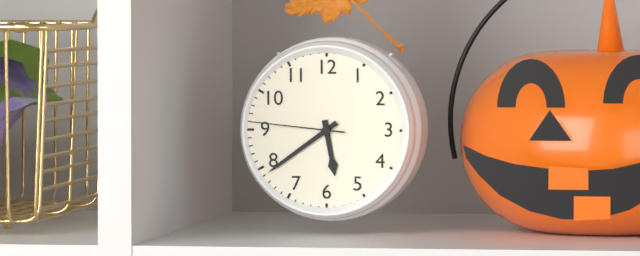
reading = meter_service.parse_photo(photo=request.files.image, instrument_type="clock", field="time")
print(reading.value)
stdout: 5:39:46
